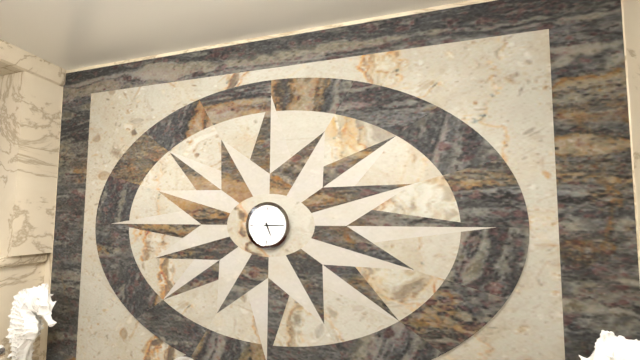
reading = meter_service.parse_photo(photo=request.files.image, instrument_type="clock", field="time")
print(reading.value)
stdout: 5:15
